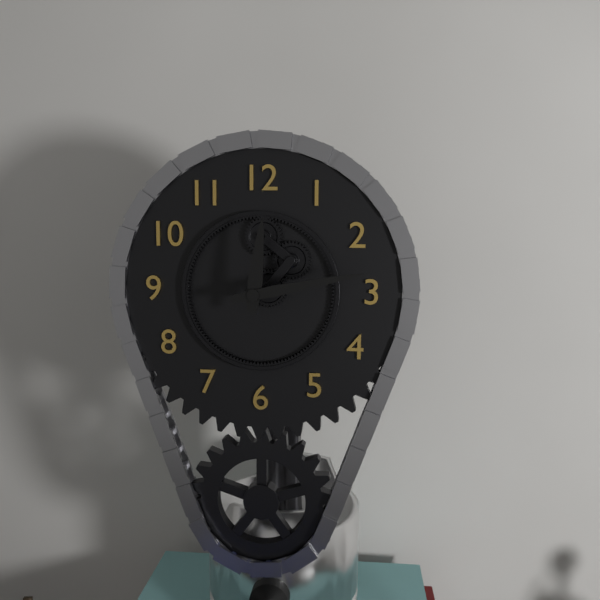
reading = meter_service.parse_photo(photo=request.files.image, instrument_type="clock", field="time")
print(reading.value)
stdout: 12:13
